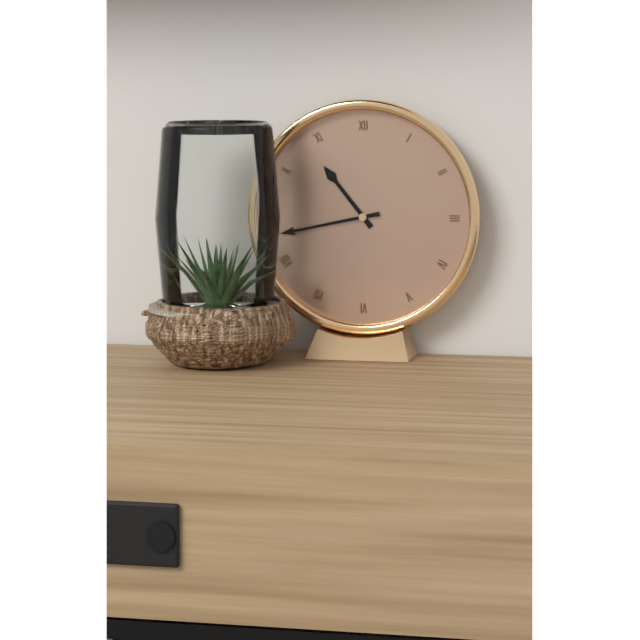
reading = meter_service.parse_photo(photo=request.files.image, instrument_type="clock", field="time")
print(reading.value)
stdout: 10:43
